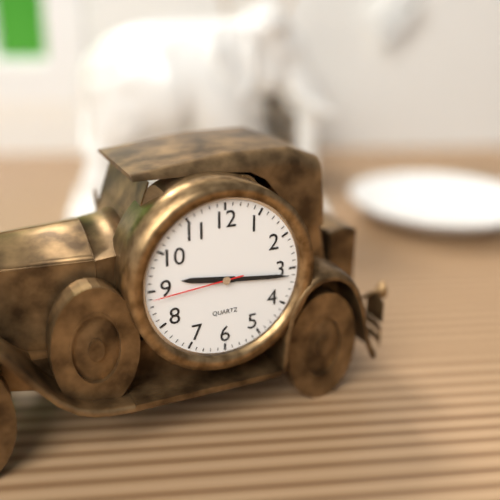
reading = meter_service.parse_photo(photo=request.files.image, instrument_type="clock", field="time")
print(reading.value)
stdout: 9:16:44
